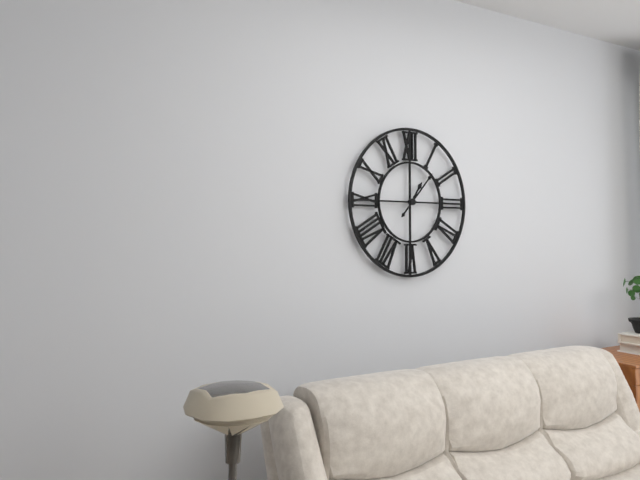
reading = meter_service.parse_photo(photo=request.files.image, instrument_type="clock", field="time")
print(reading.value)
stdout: 1:07
